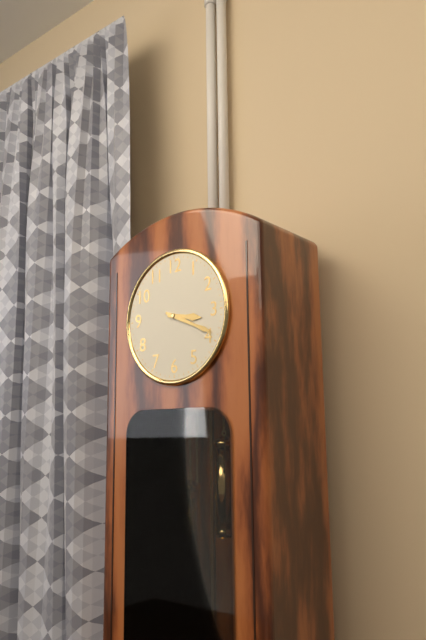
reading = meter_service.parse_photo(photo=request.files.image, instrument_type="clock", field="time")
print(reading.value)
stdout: 3:19
